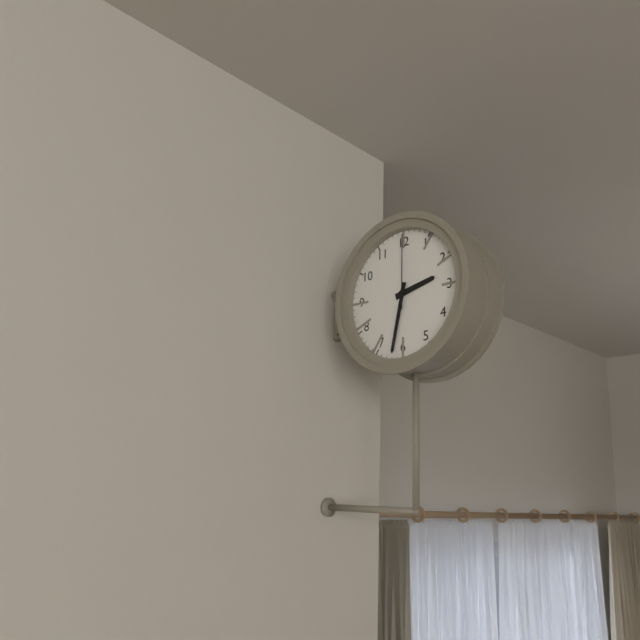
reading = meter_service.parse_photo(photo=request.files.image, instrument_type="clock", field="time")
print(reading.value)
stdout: 2:32:00
